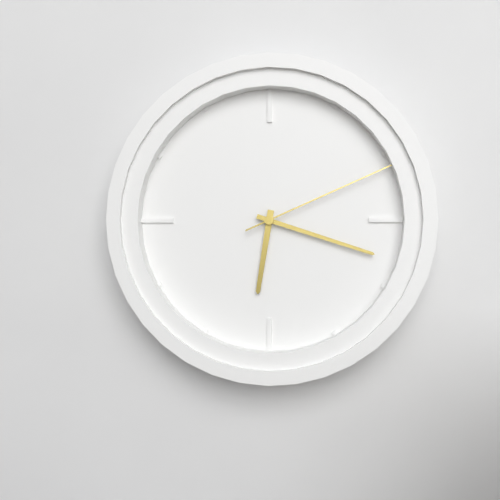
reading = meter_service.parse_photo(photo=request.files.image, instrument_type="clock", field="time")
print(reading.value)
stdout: 6:18:11
